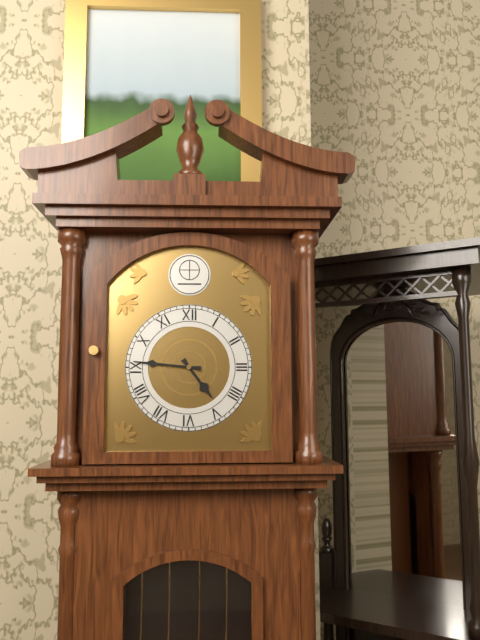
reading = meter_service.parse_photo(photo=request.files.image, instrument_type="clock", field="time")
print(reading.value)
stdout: 4:46
